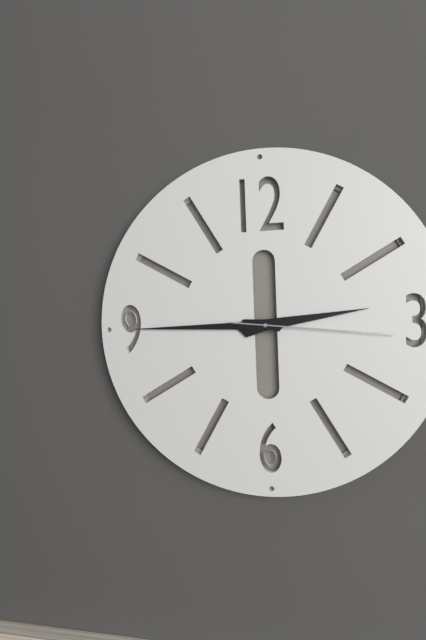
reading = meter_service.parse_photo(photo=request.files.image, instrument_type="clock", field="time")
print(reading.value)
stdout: 2:45:16
